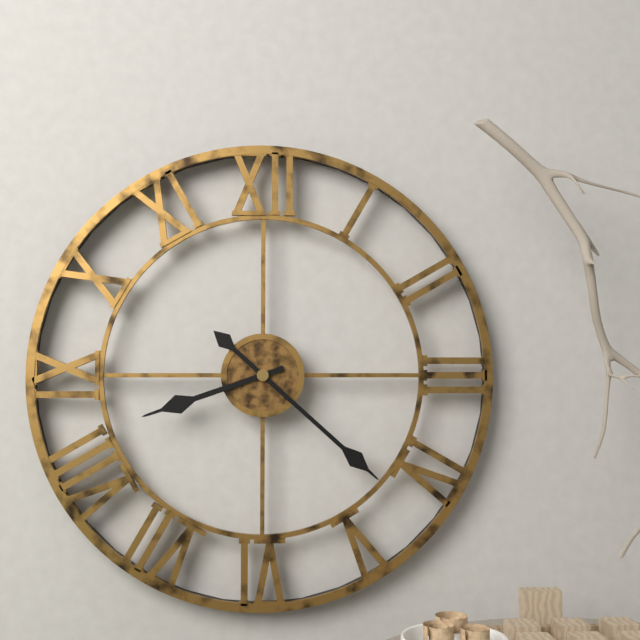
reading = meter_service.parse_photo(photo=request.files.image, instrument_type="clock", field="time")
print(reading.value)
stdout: 8:22
